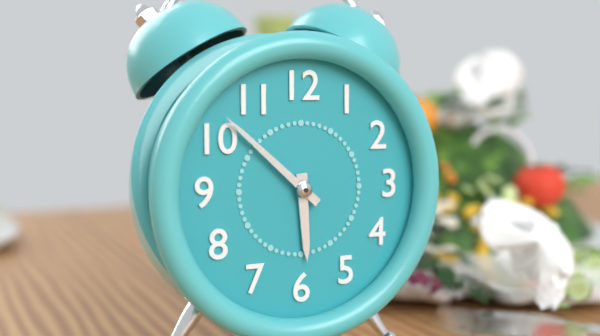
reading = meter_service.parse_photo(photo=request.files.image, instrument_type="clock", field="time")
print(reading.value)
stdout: 5:52
